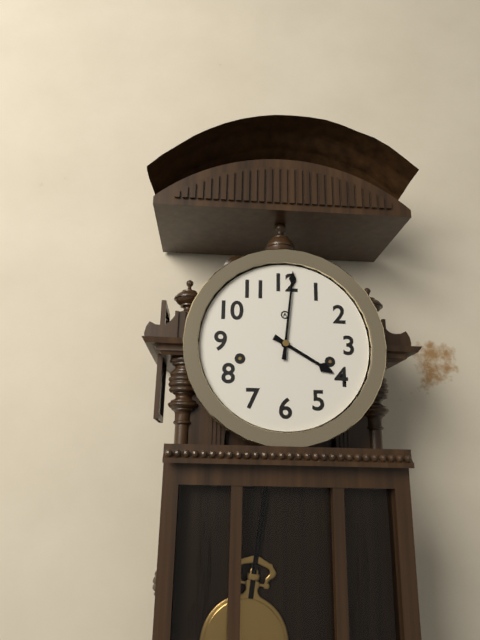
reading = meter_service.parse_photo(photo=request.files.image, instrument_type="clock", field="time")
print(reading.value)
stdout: 4:01
